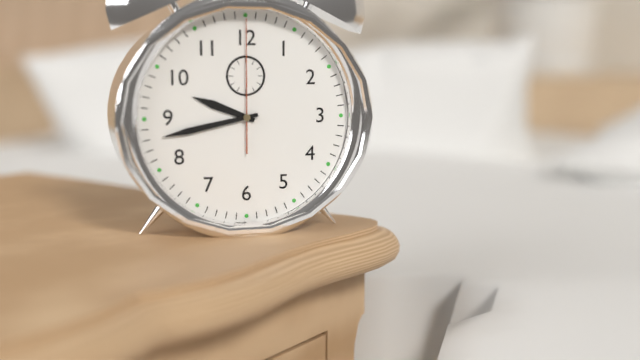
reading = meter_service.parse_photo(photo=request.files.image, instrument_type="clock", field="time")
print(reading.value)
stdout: 9:43:00
